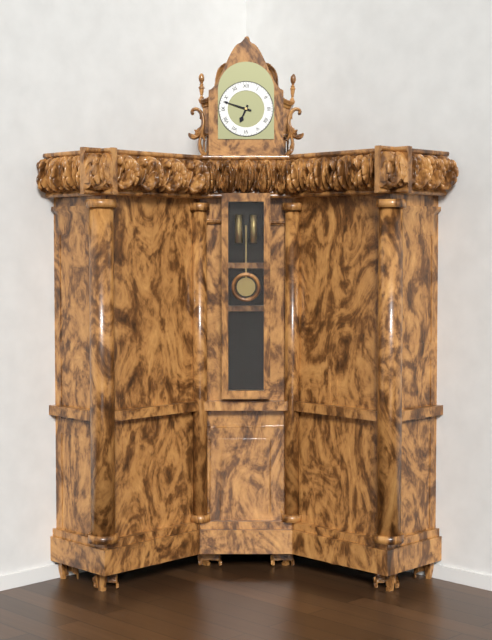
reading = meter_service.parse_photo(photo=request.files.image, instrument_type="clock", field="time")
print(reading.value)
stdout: 6:48
